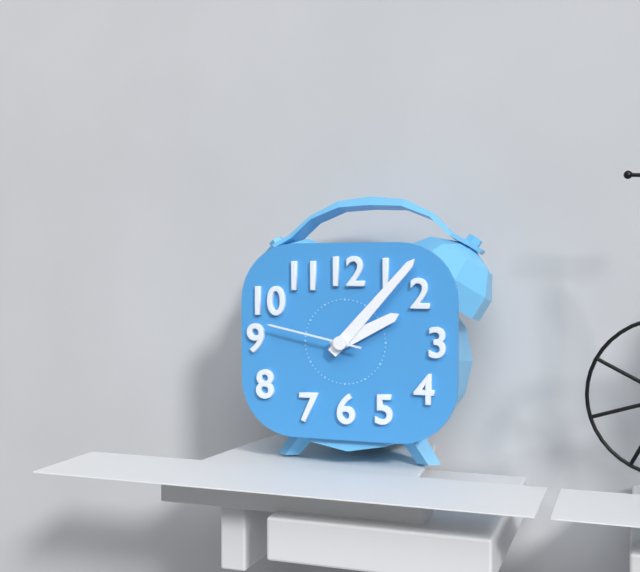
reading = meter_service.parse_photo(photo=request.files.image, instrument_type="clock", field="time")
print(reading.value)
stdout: 2:07:47
